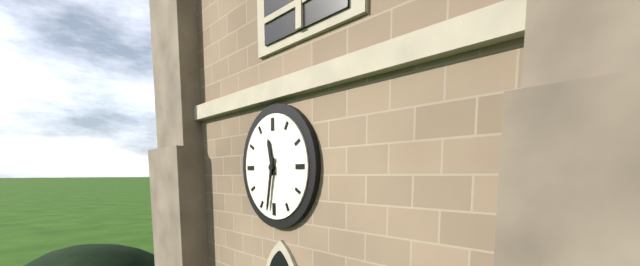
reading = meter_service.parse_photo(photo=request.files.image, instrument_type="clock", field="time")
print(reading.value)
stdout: 11:32
